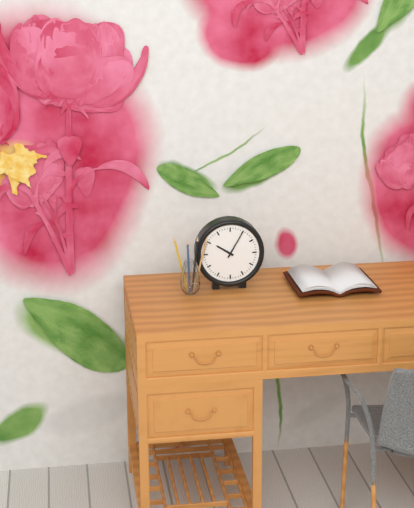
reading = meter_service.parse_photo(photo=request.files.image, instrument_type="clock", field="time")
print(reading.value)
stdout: 10:05
